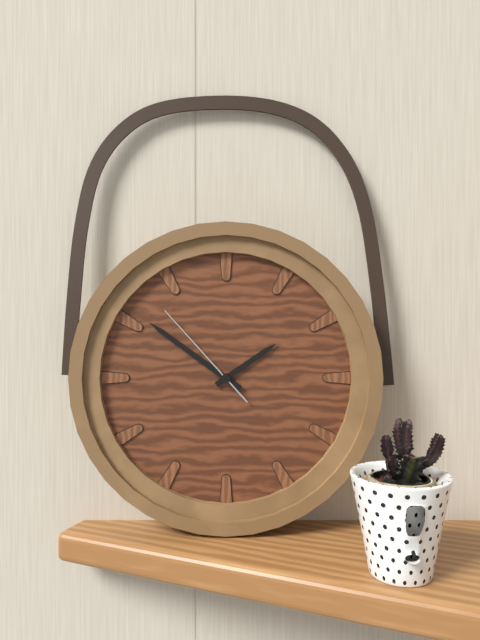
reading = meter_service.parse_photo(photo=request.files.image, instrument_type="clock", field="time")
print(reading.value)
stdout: 1:51:53
